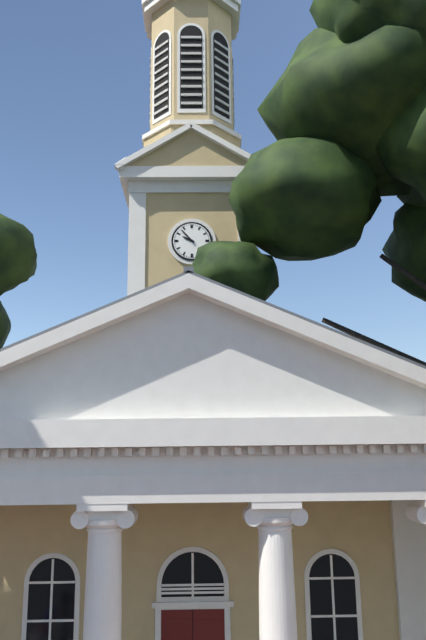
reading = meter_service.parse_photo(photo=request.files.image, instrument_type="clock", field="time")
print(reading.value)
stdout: 9:53
